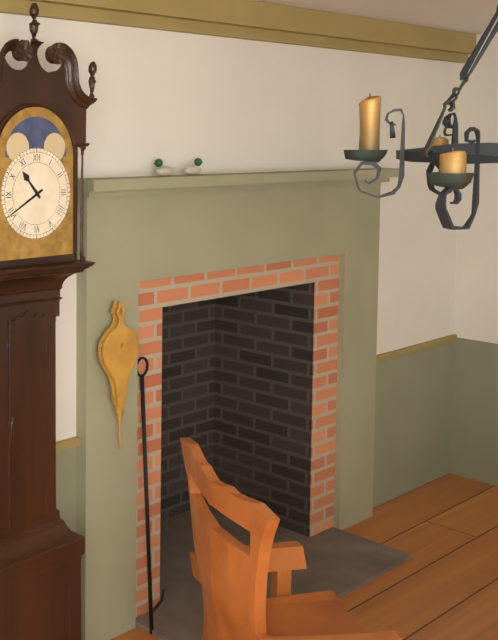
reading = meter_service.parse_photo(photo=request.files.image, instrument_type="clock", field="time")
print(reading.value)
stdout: 10:40
